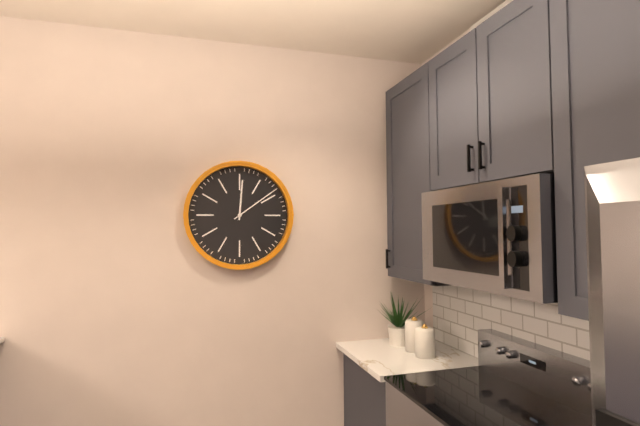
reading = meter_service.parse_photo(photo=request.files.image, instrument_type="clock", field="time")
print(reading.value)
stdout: 12:09
